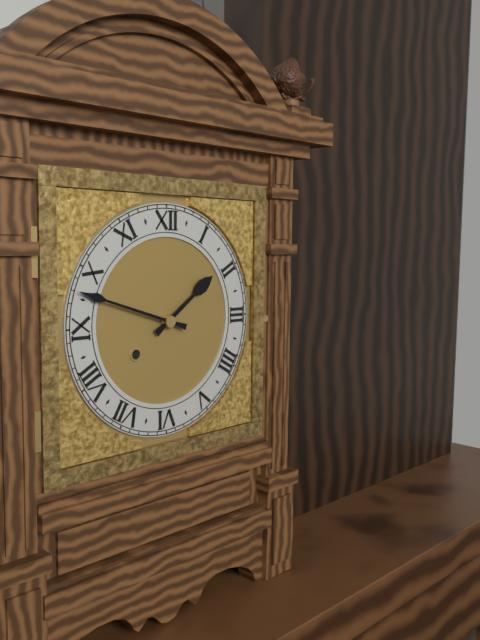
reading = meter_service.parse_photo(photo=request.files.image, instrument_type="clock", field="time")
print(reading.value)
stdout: 1:48
